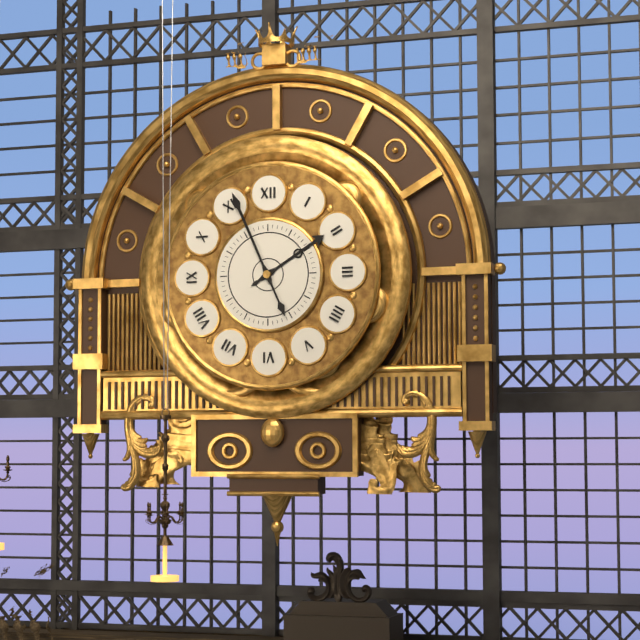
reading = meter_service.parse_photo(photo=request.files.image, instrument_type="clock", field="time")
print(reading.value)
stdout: 1:56
